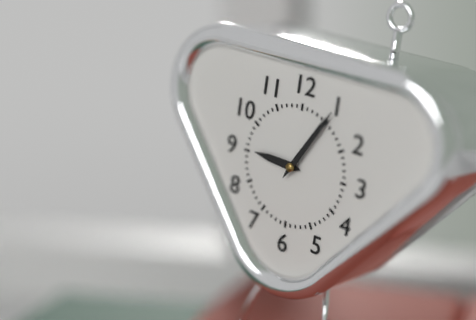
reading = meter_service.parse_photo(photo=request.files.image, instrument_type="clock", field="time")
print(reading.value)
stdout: 9:05
